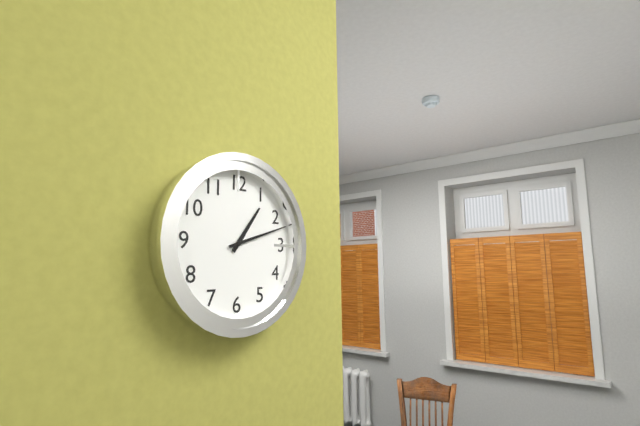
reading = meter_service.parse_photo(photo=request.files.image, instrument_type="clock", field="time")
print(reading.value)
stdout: 1:12
